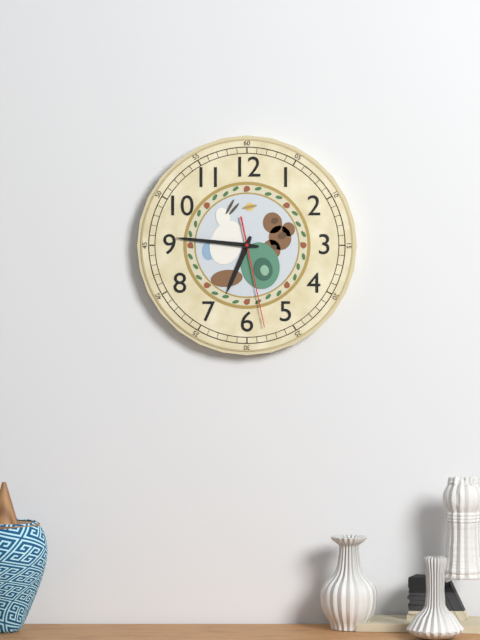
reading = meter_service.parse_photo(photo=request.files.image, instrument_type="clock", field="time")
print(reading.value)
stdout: 6:46:28
